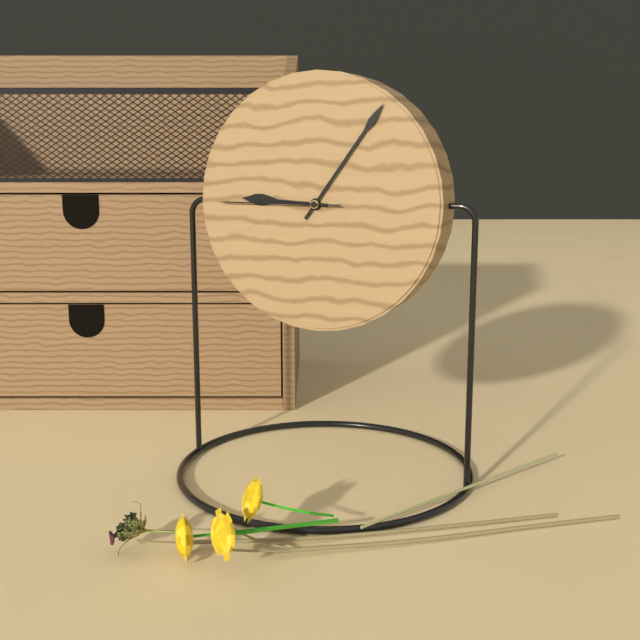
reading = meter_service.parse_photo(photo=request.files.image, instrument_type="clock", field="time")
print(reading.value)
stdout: 9:06:45
